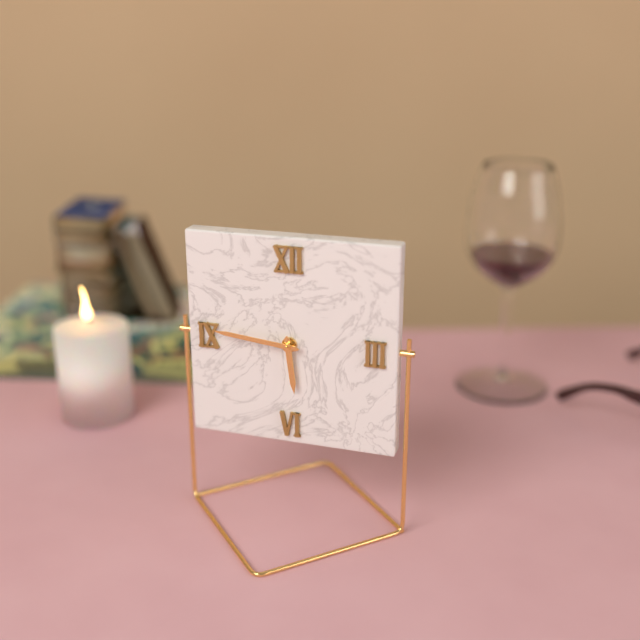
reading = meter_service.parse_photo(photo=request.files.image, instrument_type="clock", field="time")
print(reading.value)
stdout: 5:46
